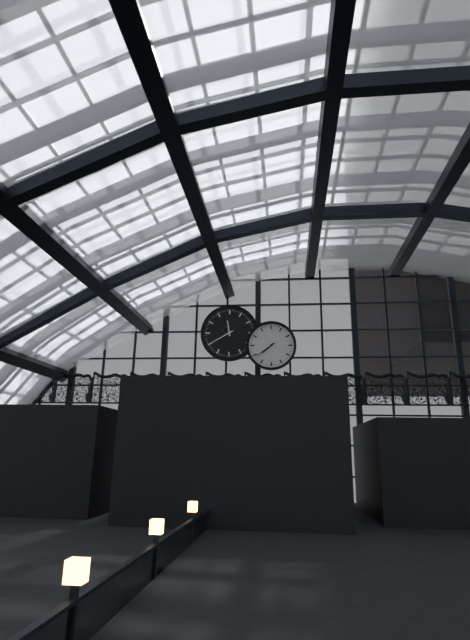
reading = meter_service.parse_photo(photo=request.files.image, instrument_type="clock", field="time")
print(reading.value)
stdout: 7:39
